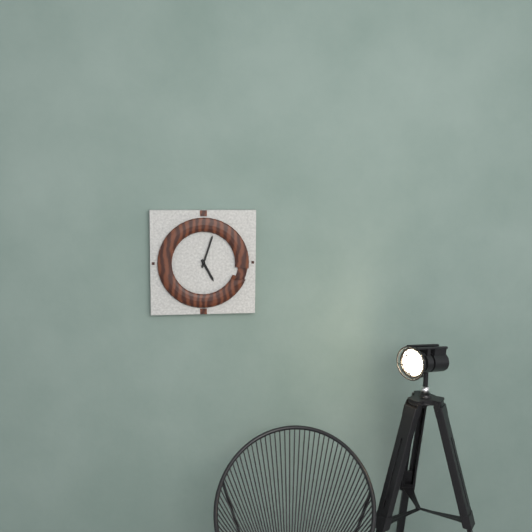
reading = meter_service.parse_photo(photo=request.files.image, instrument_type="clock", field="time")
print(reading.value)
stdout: 5:03
